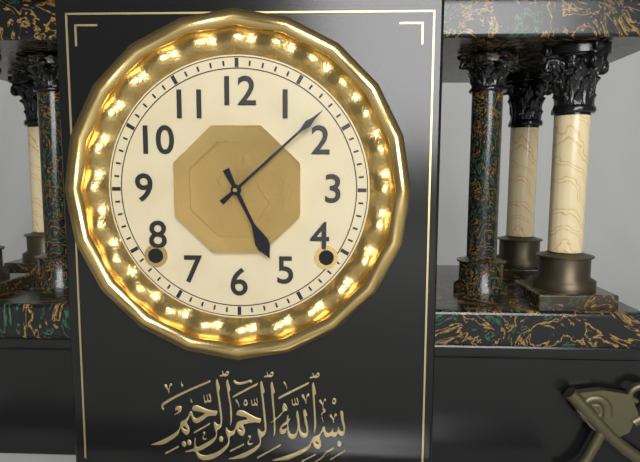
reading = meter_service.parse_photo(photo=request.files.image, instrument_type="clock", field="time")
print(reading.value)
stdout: 5:08
